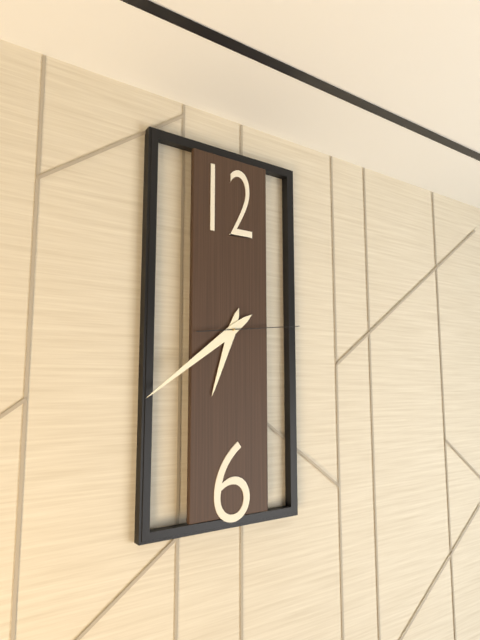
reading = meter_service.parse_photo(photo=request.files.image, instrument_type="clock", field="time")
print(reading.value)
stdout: 6:39:14
